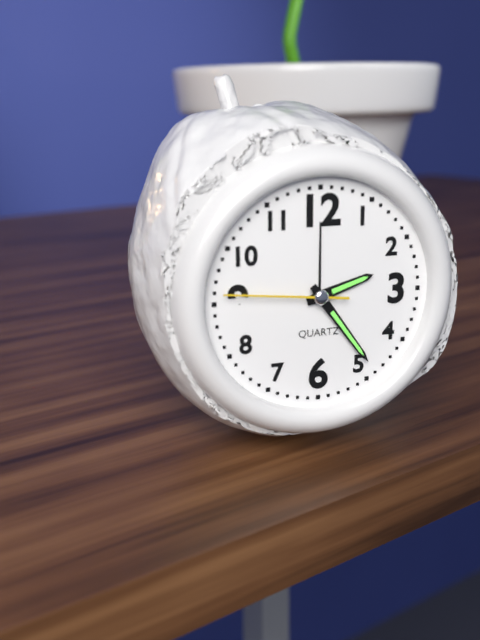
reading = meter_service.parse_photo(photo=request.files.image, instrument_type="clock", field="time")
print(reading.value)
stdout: 2:24:46
